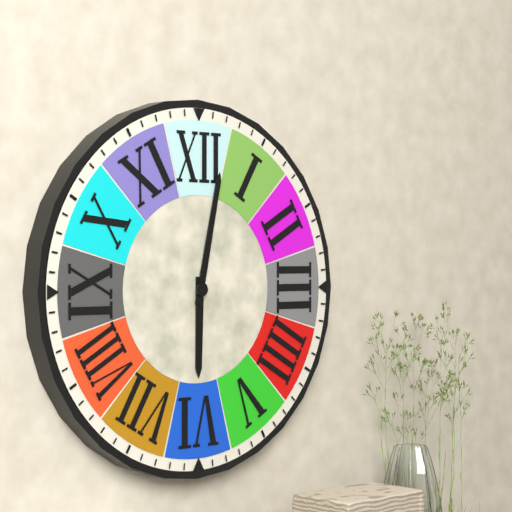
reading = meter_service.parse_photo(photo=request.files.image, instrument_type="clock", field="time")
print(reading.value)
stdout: 6:02
